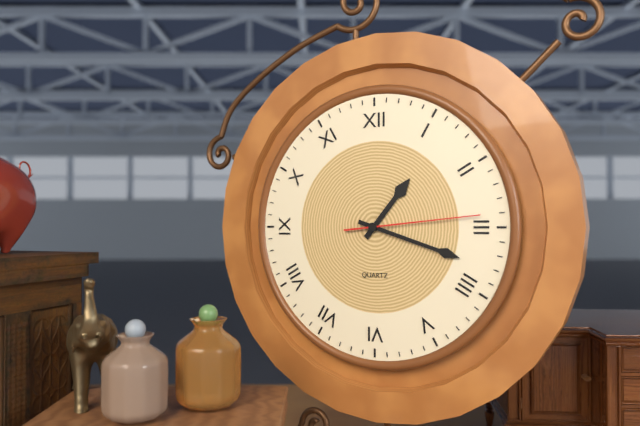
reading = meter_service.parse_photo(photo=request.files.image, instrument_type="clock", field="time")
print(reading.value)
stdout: 1:18:14
